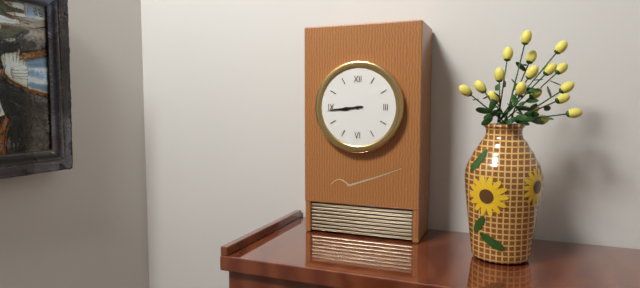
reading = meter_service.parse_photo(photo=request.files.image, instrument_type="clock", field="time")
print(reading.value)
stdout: 8:44
